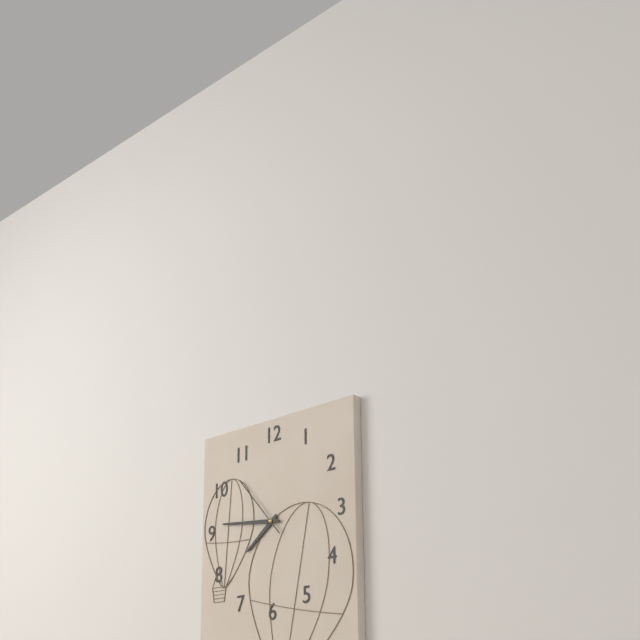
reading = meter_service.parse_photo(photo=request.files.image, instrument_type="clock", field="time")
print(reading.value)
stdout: 7:46:53
